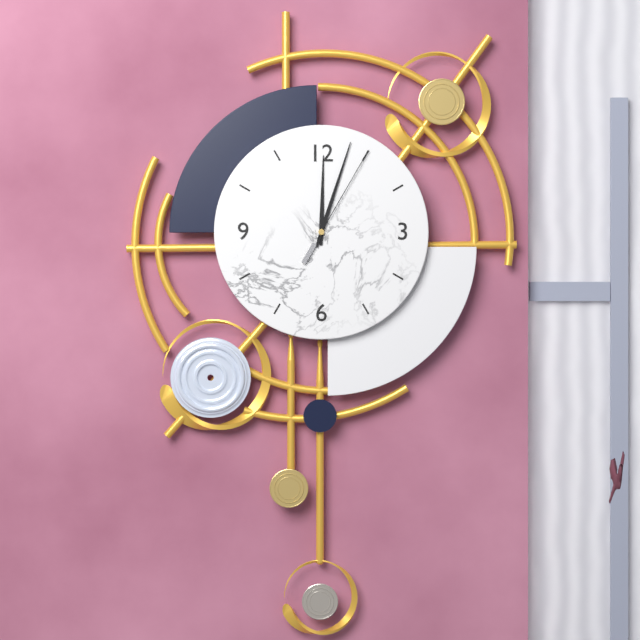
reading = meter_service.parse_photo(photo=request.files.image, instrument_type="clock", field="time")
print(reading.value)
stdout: 12:03:05
